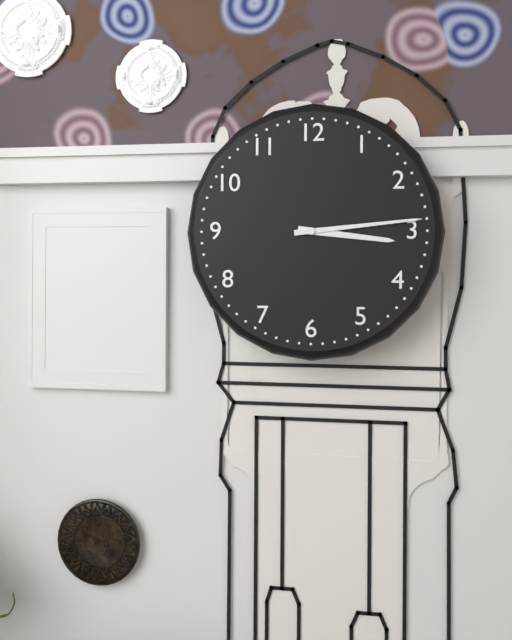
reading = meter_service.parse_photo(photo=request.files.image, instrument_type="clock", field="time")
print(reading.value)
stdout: 3:14
